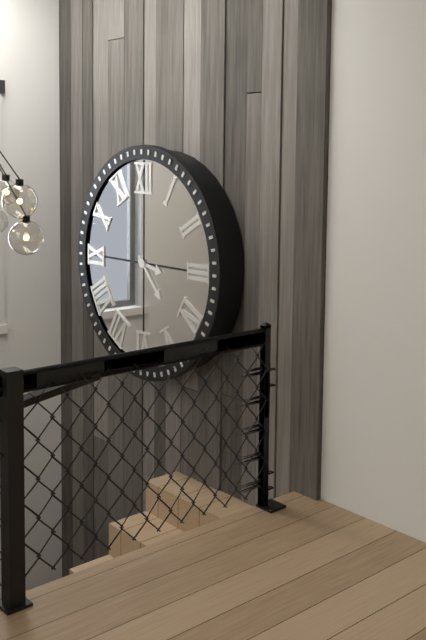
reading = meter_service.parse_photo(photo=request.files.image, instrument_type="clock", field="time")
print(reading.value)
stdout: 3:23
